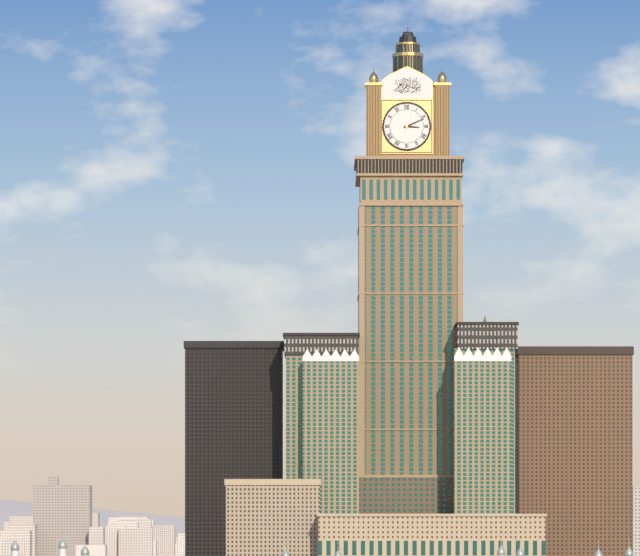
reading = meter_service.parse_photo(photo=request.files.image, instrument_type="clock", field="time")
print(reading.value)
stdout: 3:11
